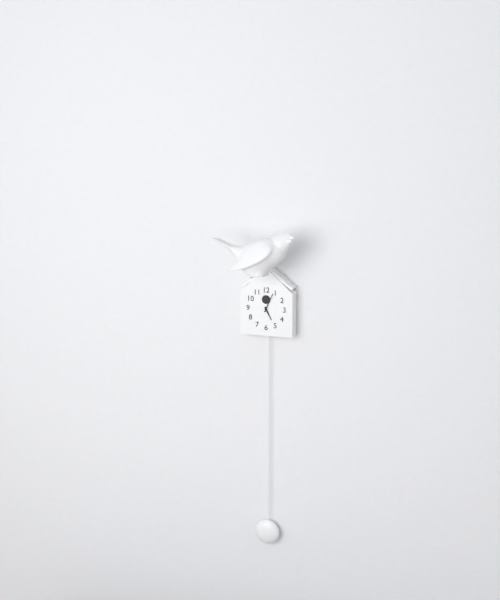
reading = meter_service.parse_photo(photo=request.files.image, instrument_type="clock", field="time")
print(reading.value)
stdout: 5:04
